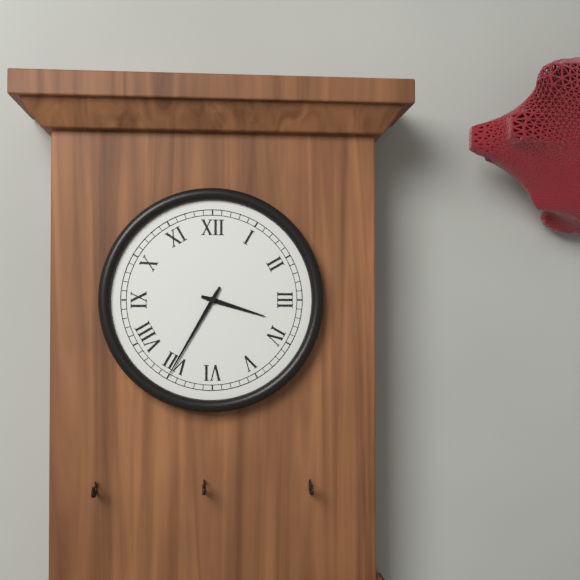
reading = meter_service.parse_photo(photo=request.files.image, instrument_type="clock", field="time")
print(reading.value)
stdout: 3:35
